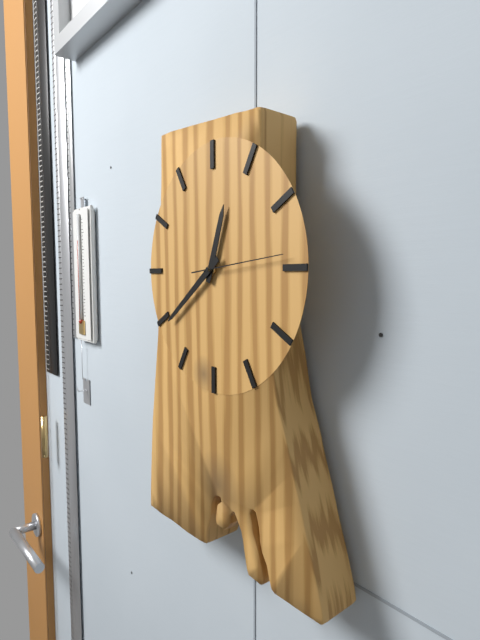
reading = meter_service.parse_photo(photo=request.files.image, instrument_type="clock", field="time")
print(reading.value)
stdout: 12:39:14
